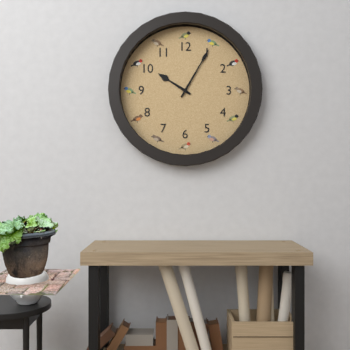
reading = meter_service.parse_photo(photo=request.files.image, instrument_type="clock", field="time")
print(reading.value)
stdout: 10:05
